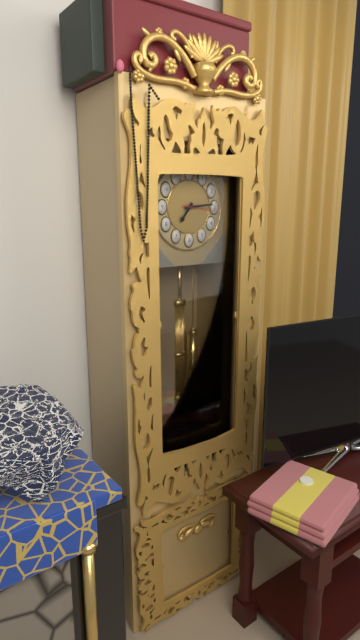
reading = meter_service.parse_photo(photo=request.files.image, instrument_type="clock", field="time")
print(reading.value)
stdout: 7:14
